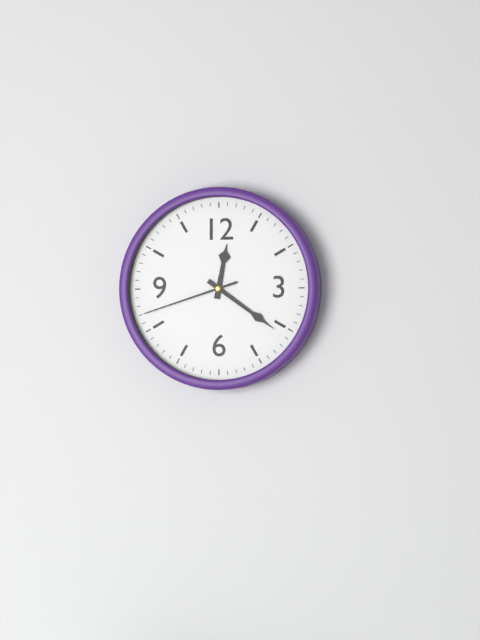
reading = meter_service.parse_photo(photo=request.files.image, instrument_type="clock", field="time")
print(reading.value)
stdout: 12:21:42
